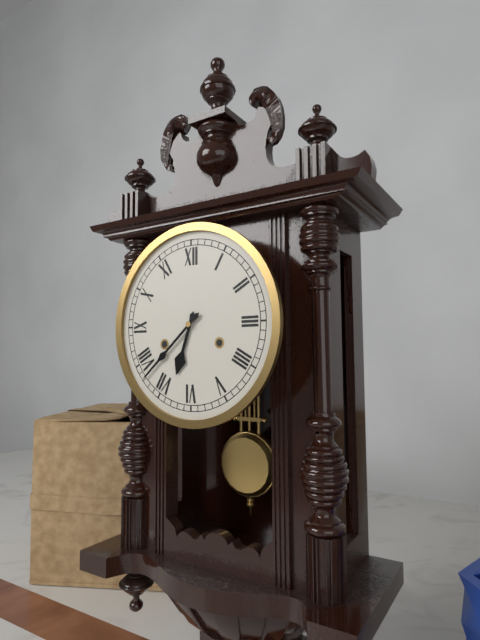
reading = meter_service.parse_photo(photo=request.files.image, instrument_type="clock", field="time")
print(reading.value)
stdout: 6:38
